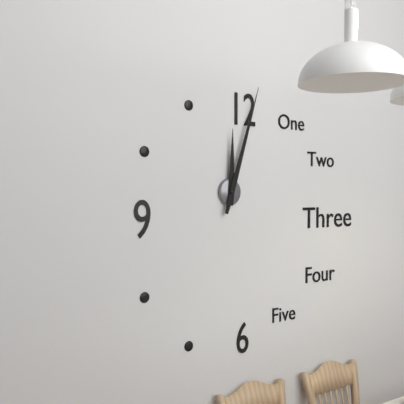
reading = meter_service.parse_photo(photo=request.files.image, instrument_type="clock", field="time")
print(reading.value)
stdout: 12:03
